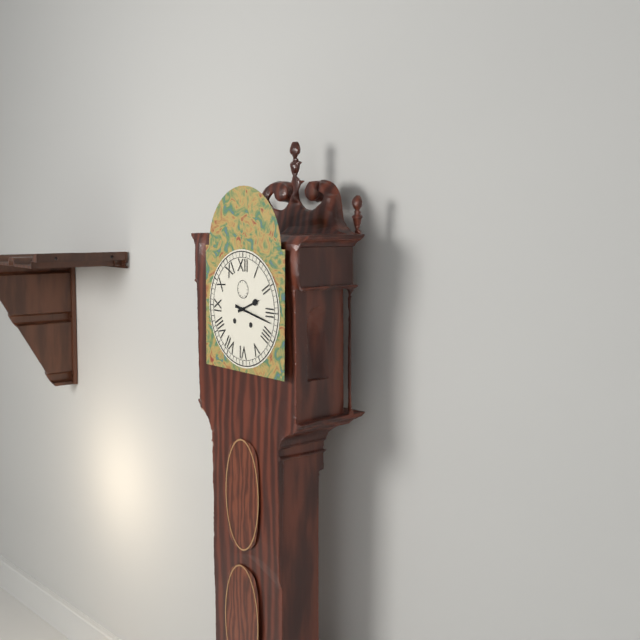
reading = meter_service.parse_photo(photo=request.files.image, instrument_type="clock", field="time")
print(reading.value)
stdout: 2:17
